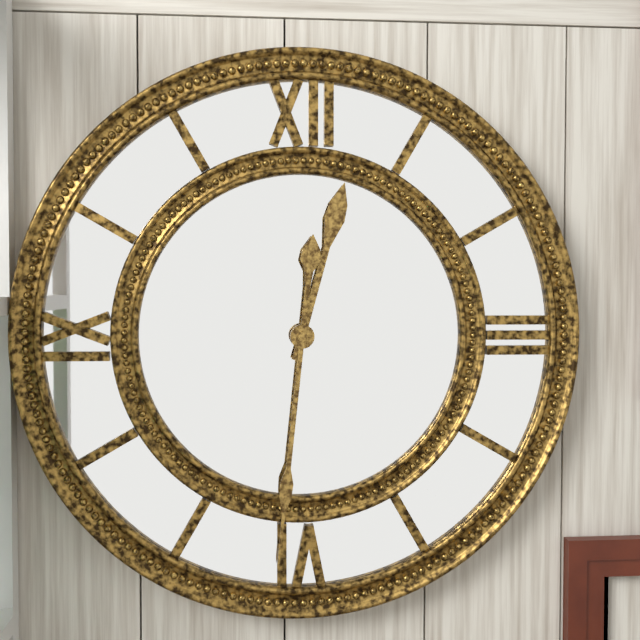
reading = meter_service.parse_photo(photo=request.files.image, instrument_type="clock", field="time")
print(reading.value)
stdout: 12:31
